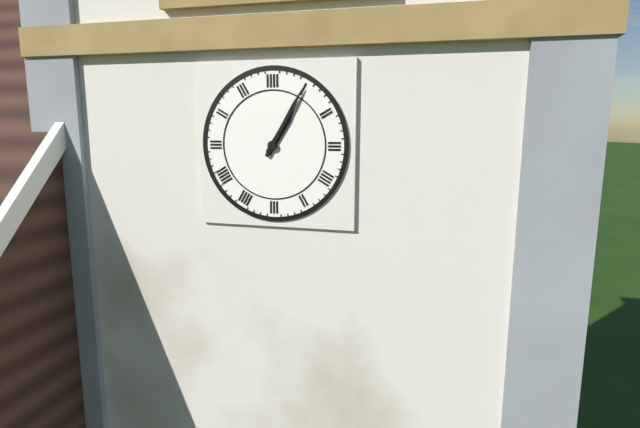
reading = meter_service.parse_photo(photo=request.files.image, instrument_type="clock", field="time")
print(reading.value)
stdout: 1:05
